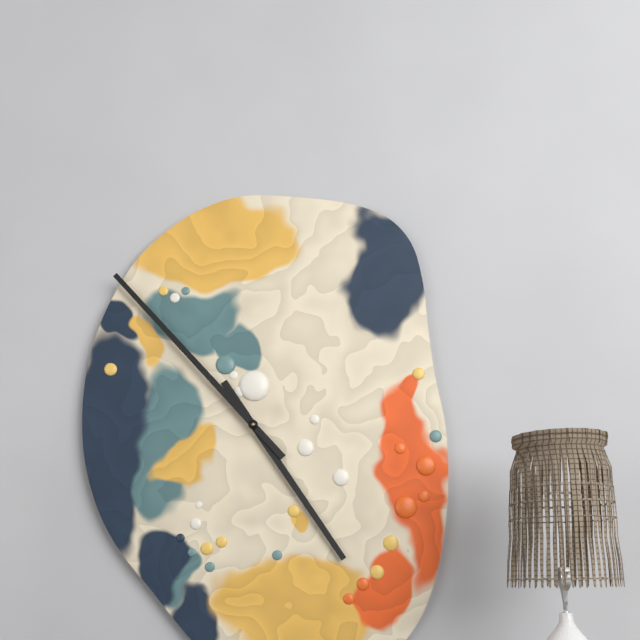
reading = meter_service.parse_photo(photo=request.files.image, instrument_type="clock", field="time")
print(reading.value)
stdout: 4:53
